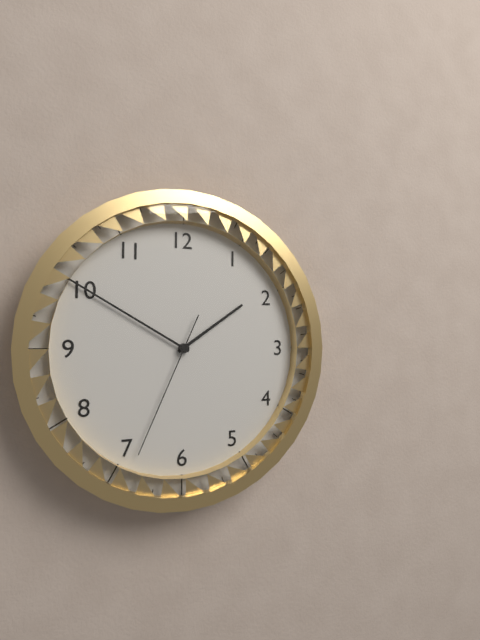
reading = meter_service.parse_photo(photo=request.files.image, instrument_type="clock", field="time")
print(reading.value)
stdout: 1:50:34
